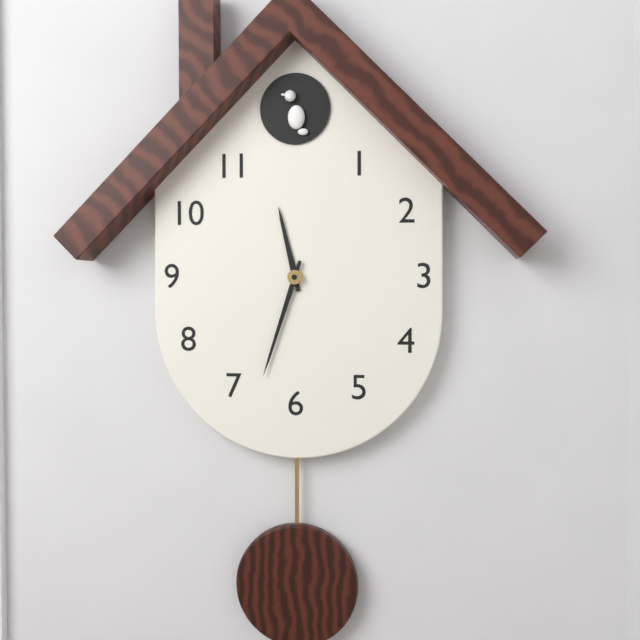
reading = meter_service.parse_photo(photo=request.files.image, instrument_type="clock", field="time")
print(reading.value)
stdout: 11:33
